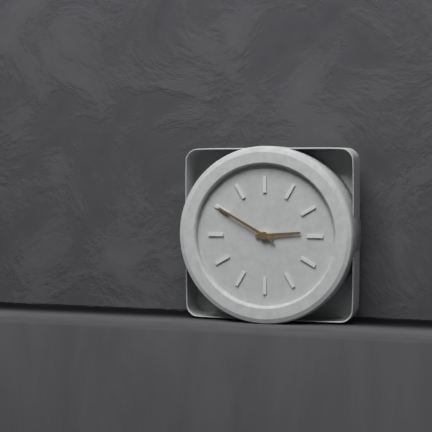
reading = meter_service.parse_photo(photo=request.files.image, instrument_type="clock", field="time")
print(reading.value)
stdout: 2:50
